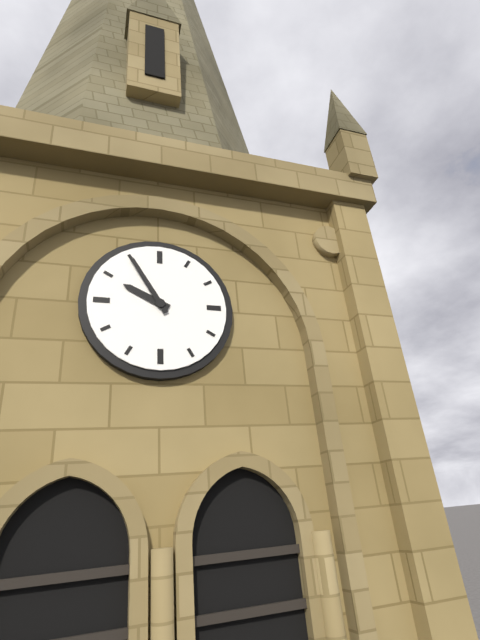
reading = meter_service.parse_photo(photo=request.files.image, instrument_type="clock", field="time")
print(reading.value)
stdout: 9:55
